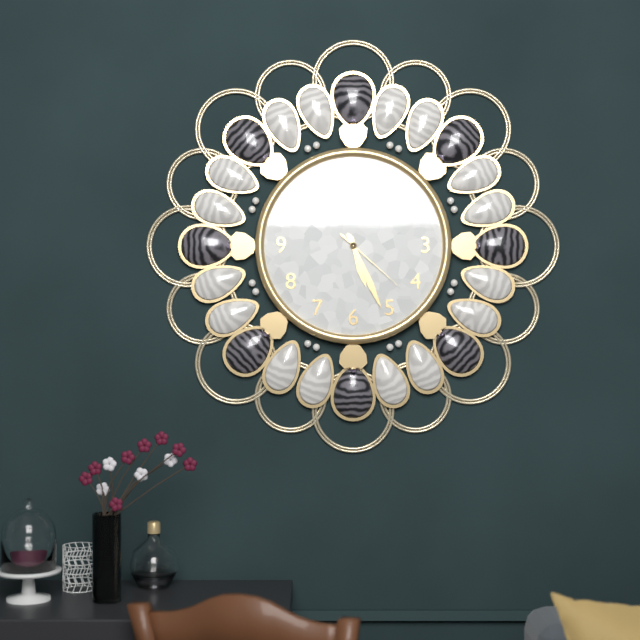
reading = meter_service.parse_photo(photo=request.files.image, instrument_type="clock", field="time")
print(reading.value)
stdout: 5:26:22
